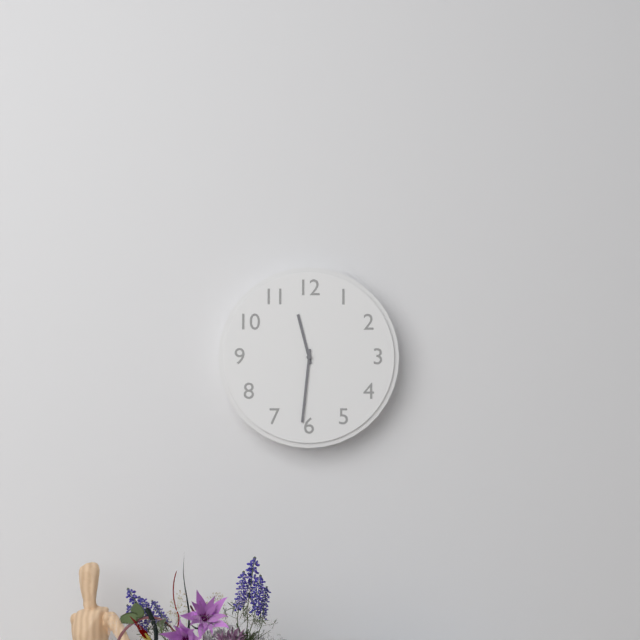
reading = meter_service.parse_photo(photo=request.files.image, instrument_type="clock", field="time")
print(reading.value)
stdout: 11:31
